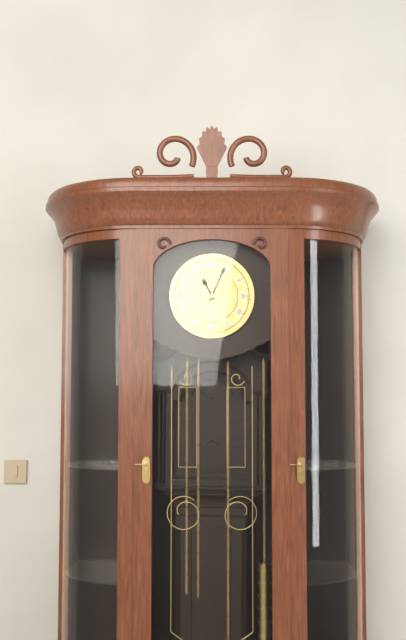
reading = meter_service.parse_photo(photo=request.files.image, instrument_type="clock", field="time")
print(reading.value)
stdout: 11:04
